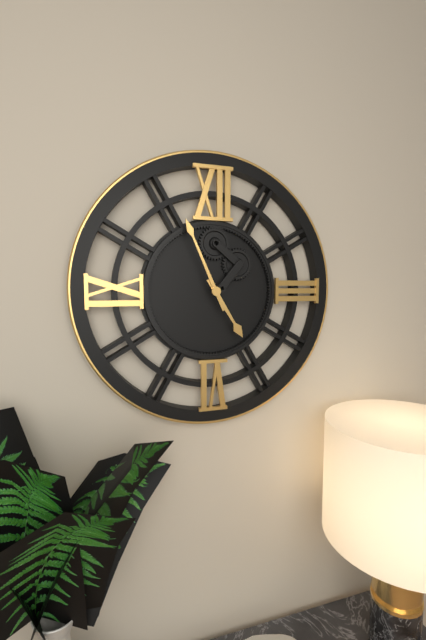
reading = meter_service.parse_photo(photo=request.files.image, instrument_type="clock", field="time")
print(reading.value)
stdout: 4:56
